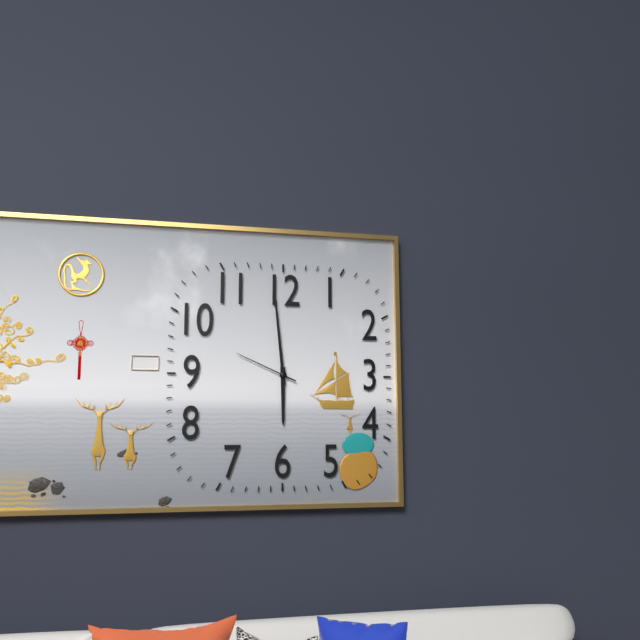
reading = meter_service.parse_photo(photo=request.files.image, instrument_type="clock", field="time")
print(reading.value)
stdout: 5:59:49
